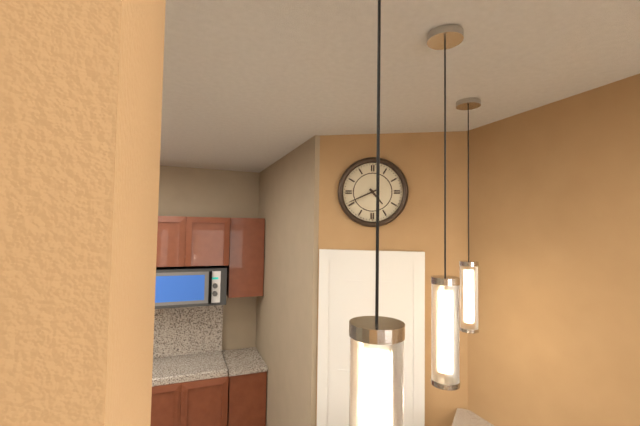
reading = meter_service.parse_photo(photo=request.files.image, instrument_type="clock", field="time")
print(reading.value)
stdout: 4:41
